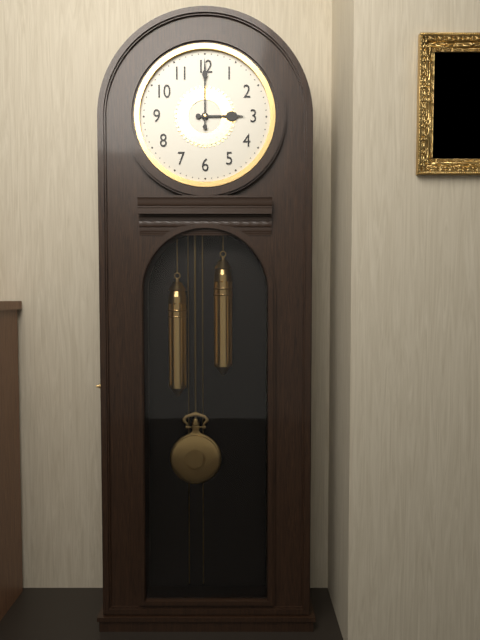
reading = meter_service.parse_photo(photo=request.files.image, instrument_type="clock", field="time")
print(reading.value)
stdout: 3:00
